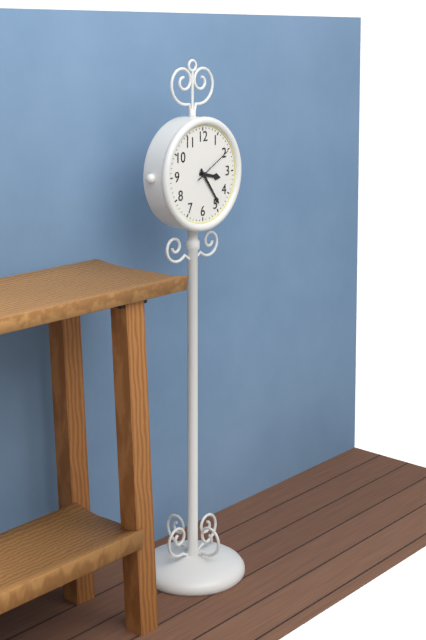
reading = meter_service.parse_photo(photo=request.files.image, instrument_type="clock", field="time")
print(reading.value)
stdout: 3:24
